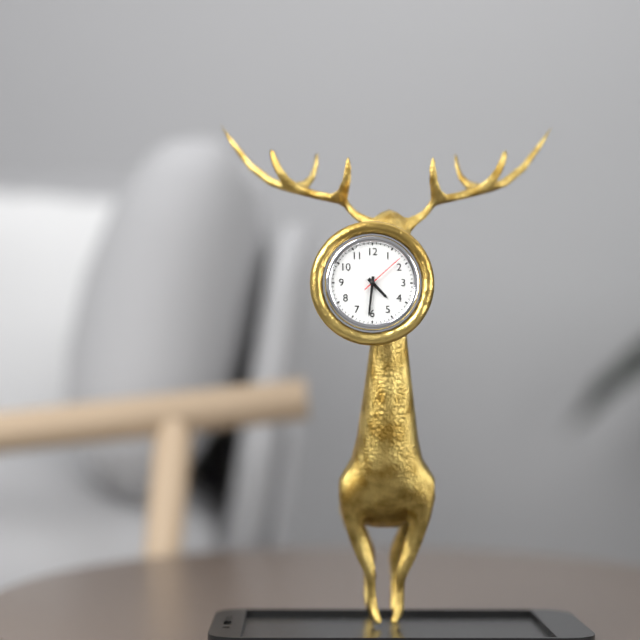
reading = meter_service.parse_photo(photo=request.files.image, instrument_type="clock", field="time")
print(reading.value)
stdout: 4:31
